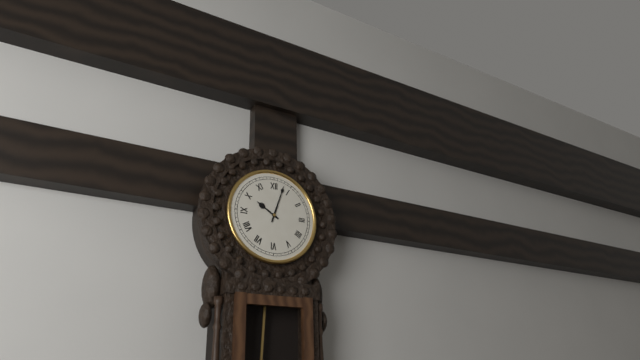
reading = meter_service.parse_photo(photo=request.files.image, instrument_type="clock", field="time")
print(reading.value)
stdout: 10:03
